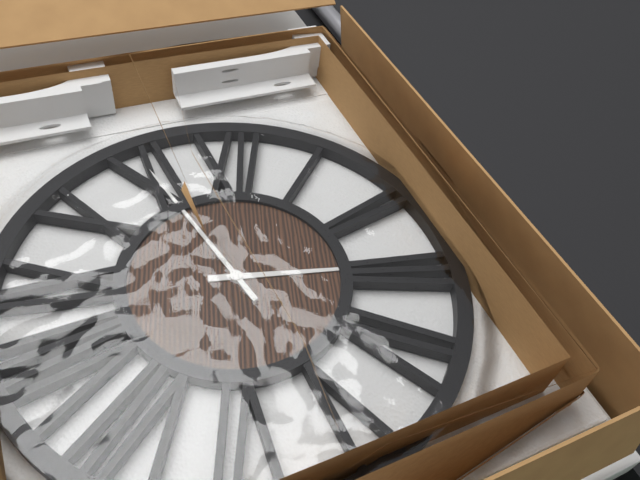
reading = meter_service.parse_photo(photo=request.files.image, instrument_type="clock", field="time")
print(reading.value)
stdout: 2:55
